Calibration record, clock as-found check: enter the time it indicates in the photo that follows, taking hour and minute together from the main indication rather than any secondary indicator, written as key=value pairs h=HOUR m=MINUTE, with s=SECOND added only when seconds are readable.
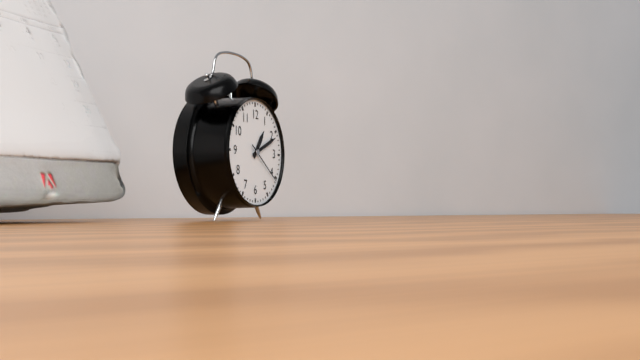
h=1 m=11
